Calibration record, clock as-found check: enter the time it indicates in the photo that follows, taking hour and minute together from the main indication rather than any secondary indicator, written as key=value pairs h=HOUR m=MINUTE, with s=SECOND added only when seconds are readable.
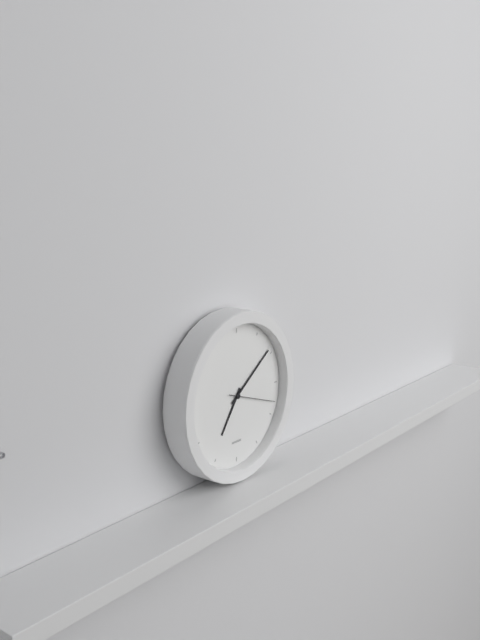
h=7 m=9
